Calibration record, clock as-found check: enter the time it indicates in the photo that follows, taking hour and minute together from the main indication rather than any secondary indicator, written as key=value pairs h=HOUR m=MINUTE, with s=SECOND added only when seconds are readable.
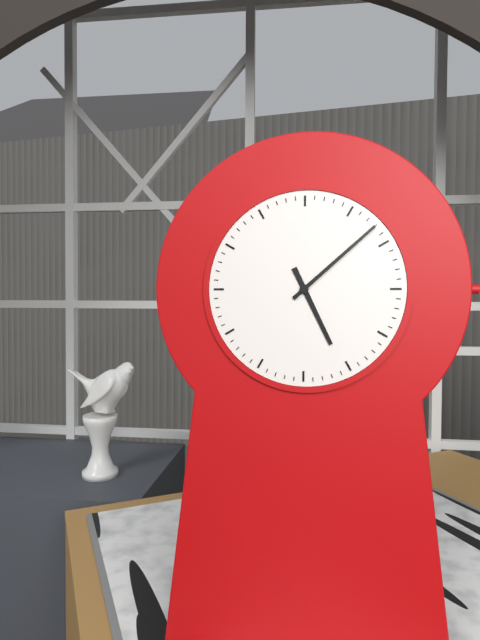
h=5 m=8
